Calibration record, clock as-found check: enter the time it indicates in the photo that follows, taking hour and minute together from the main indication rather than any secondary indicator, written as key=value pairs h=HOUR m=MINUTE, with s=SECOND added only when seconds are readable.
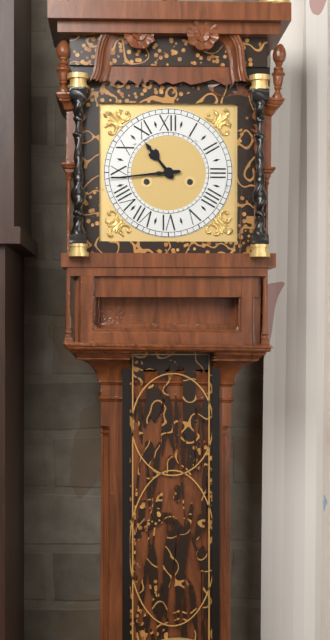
h=10 m=44
